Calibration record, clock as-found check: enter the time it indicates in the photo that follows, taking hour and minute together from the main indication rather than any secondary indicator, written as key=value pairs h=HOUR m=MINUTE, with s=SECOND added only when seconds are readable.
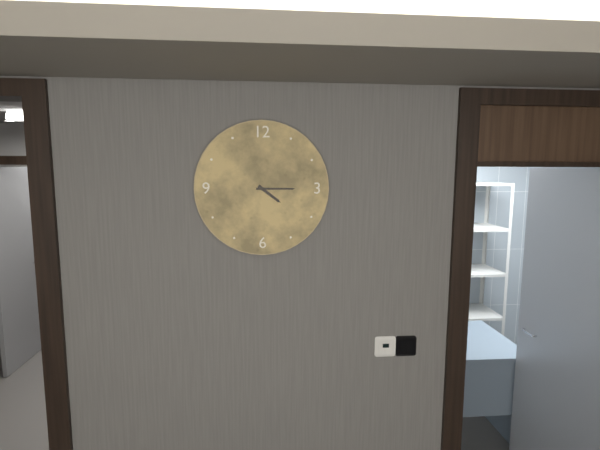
h=4 m=15
